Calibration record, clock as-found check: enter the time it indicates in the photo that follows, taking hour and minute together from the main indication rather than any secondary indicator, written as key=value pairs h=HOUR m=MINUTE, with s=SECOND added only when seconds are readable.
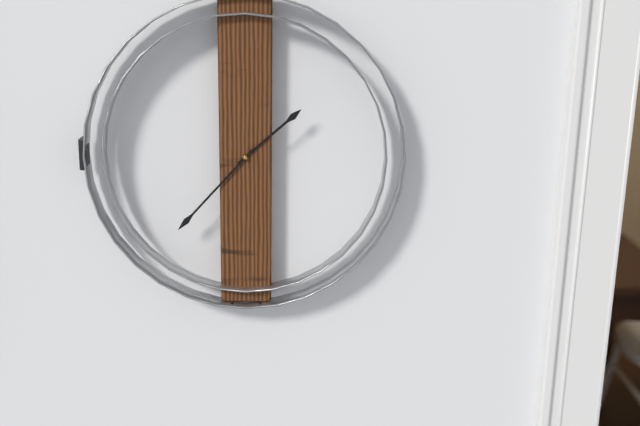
h=1 m=37
